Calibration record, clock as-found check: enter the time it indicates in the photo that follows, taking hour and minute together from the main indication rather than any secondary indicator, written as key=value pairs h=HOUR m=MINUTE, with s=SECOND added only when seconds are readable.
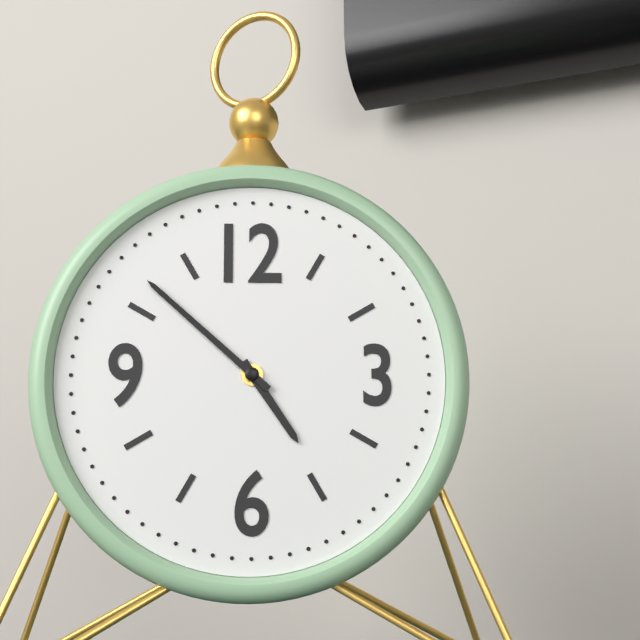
h=4 m=52
